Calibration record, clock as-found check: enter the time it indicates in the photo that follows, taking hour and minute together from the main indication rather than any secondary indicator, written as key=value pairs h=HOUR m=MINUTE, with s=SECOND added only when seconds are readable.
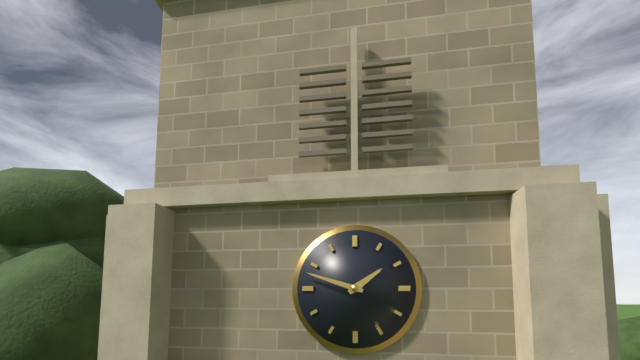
h=1 m=48
